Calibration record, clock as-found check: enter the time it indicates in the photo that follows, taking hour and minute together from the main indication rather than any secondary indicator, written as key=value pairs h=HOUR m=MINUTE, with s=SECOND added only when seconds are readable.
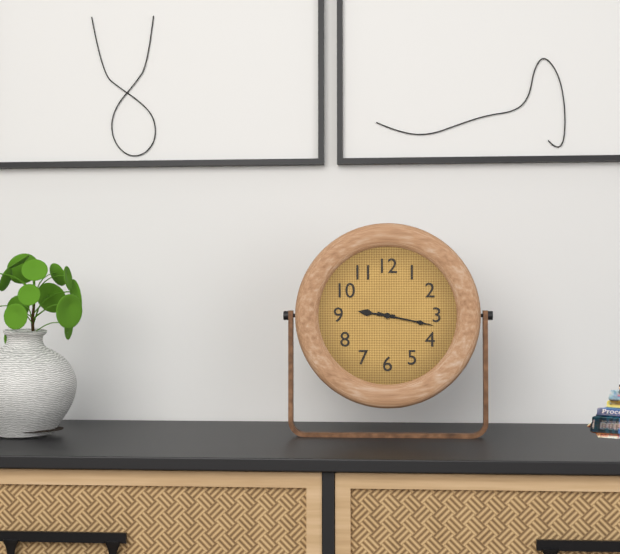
h=9 m=17
